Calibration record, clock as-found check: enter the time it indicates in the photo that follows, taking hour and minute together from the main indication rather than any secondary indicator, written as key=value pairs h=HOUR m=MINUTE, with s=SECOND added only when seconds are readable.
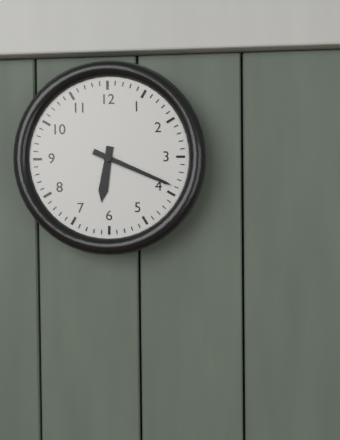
h=6 m=19
